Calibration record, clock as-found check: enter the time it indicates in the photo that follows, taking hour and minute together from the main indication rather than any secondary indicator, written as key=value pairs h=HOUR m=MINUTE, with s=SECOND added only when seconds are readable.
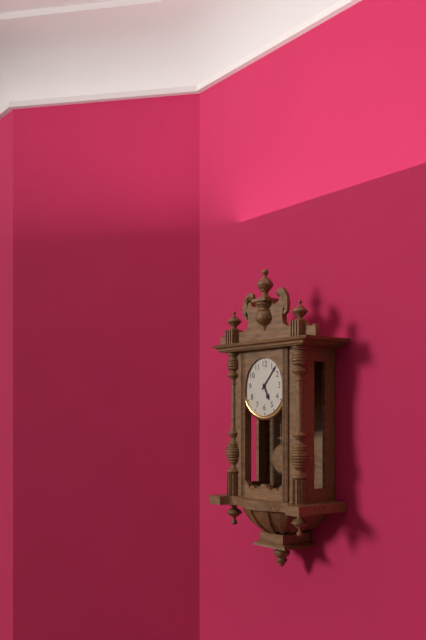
h=5 m=7
